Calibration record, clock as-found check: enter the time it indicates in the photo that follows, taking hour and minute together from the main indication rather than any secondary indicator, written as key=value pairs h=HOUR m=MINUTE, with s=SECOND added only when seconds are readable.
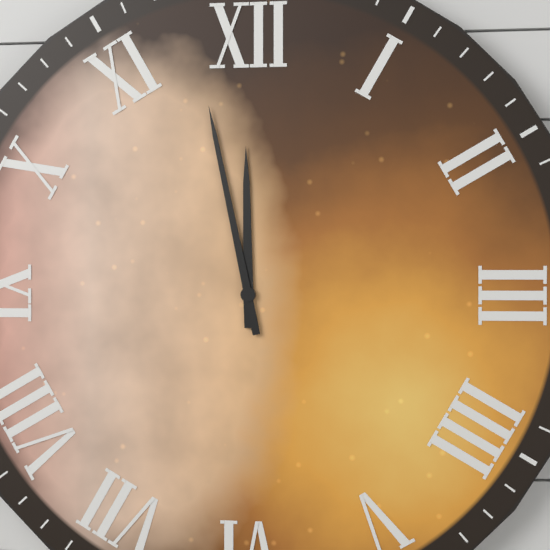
h=11 m=58
